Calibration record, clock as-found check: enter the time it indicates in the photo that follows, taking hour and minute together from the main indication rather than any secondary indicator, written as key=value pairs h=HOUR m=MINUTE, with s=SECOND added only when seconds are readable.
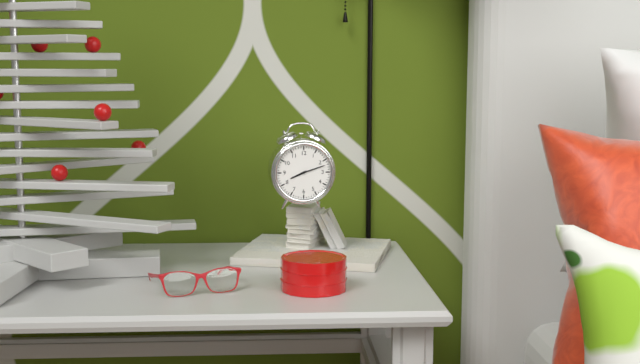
h=8 m=12
